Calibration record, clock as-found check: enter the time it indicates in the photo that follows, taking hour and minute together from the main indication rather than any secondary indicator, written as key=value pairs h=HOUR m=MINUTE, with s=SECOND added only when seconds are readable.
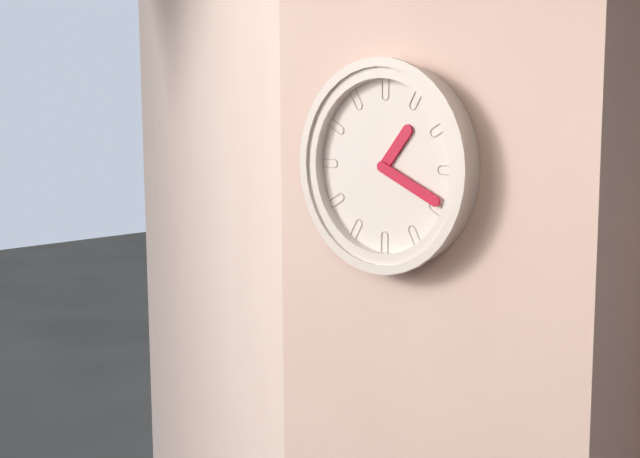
h=1 m=19
